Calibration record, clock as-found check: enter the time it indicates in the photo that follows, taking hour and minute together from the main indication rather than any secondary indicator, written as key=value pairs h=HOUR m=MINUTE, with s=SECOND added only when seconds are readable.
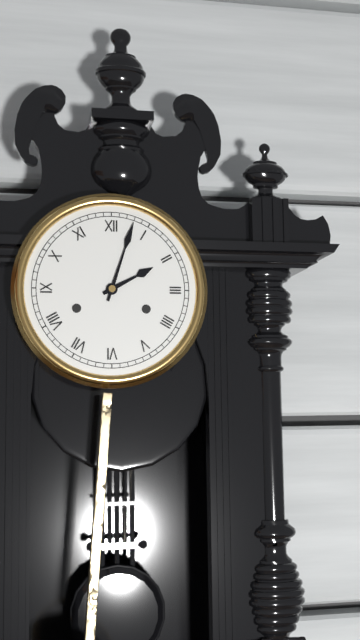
h=2 m=3
